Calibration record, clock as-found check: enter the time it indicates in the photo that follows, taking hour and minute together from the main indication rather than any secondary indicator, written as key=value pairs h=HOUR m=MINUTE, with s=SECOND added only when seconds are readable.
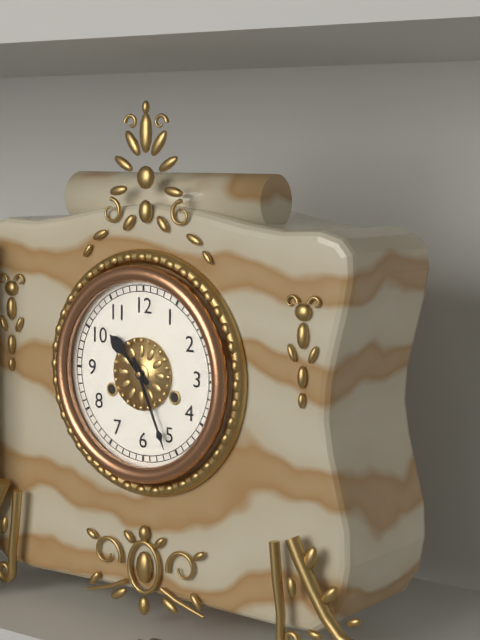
h=10 m=26
